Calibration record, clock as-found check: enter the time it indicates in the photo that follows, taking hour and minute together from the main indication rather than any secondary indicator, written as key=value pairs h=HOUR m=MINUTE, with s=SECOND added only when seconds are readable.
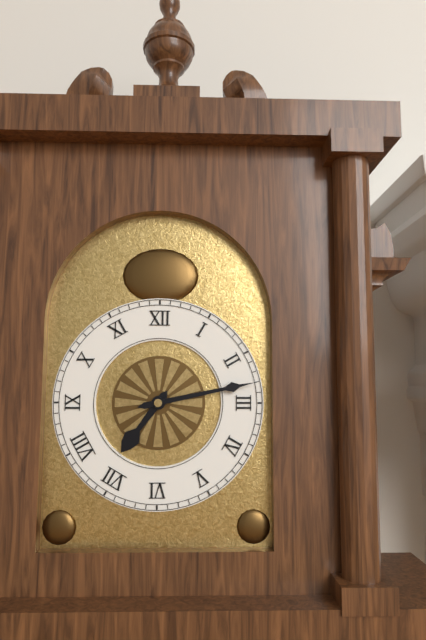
h=7 m=13
